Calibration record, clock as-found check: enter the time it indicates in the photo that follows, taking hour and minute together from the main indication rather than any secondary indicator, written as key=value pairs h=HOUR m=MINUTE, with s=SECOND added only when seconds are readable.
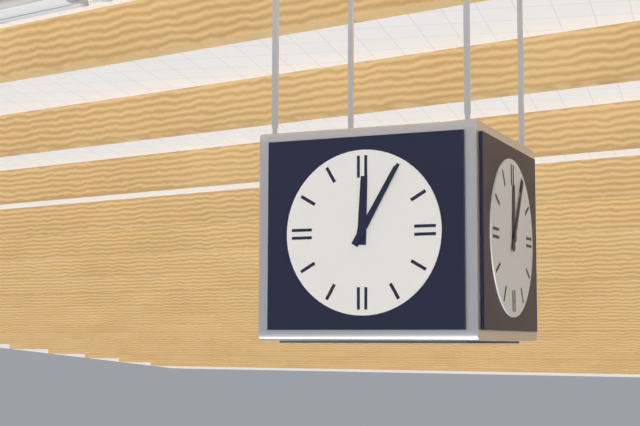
h=12 m=5
